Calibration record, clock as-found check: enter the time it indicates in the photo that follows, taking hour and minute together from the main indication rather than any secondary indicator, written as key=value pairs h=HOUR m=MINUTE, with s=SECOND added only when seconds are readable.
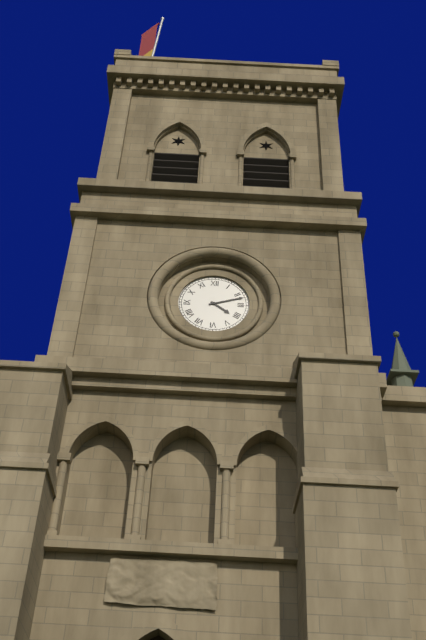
h=4 m=12
